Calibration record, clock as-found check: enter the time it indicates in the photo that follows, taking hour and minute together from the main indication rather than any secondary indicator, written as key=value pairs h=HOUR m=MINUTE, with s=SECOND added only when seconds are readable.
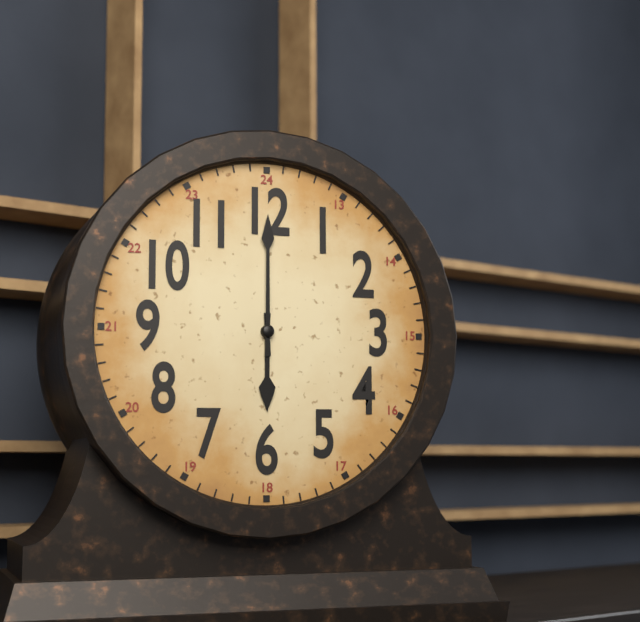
h=6 m=0
